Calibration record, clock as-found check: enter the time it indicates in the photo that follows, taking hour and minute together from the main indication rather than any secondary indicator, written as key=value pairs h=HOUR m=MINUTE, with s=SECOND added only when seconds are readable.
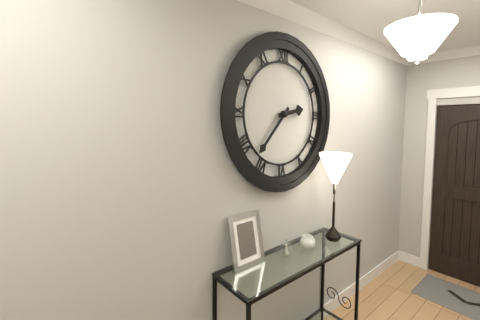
h=2 m=37
